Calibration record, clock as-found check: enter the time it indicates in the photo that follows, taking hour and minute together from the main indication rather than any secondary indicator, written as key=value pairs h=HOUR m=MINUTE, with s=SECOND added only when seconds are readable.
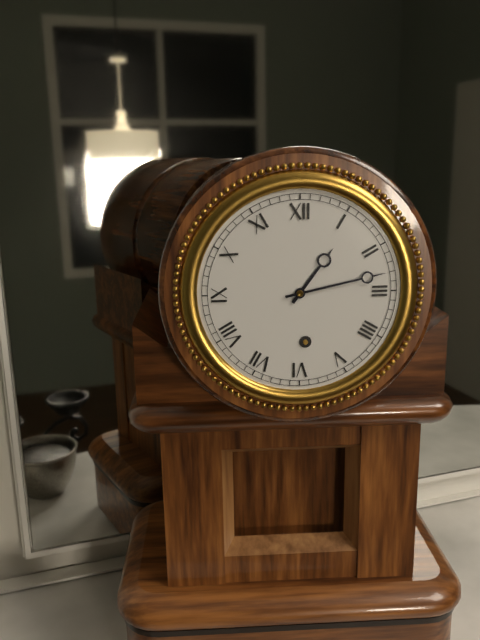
h=1 m=13
